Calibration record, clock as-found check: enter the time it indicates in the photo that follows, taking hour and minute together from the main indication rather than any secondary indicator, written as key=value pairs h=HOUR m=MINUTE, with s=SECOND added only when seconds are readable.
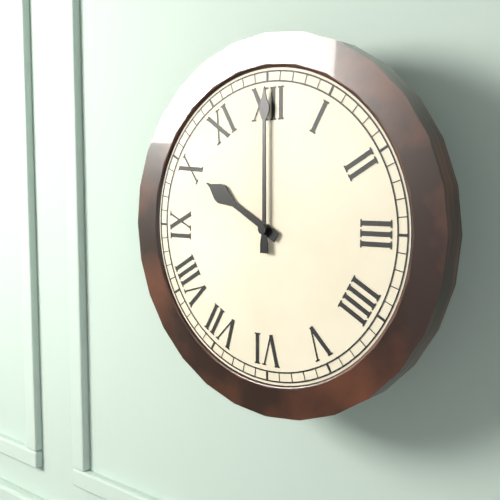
h=10 m=0
